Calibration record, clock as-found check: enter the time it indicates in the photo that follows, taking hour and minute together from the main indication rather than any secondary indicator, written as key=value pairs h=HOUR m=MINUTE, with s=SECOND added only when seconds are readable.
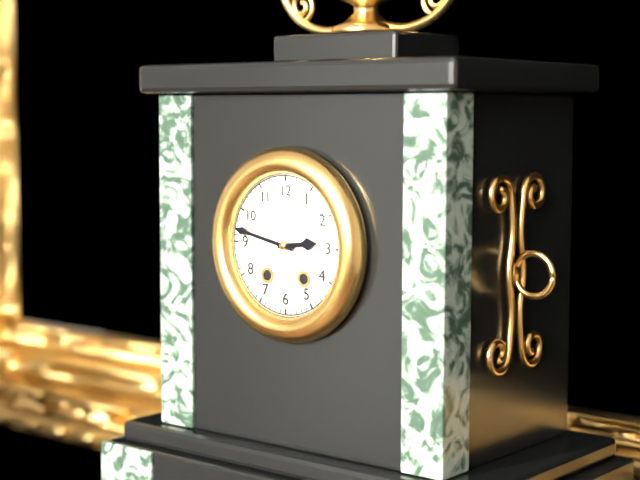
h=2 m=47
